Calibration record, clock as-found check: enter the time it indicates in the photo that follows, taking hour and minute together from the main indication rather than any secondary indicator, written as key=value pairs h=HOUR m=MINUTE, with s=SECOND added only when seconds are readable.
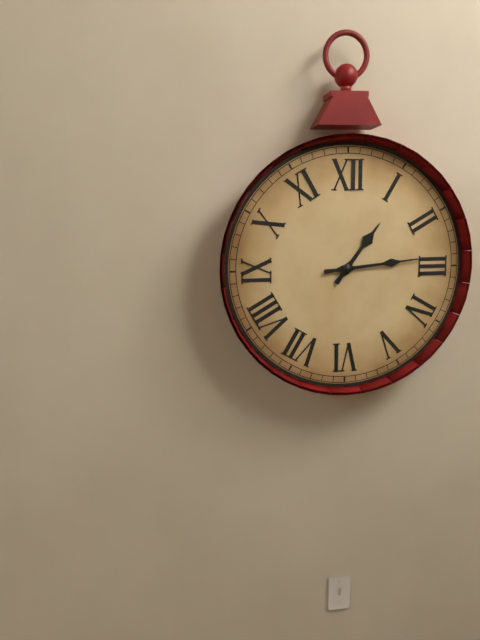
h=1 m=14
